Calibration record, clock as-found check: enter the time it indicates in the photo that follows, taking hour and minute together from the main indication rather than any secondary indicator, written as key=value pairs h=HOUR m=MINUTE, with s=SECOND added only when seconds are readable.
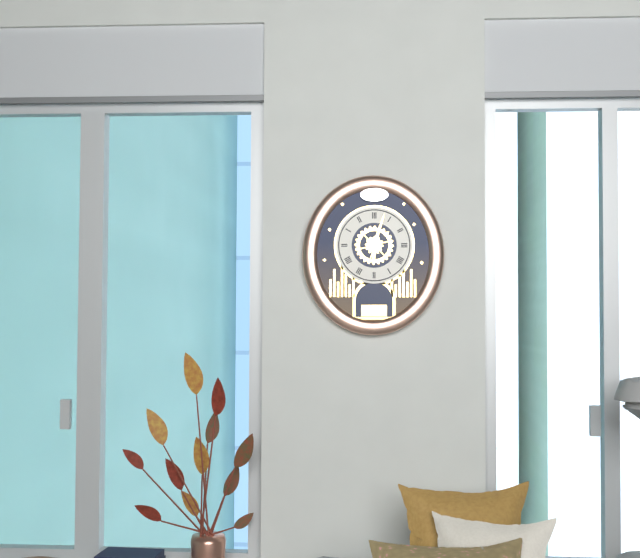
h=6 m=3
